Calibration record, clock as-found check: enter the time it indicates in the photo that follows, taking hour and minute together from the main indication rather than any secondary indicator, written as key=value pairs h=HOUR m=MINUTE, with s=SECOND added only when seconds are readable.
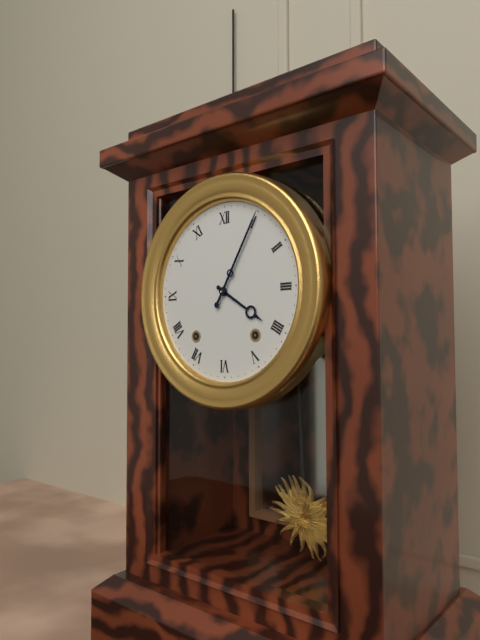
h=4 m=5
